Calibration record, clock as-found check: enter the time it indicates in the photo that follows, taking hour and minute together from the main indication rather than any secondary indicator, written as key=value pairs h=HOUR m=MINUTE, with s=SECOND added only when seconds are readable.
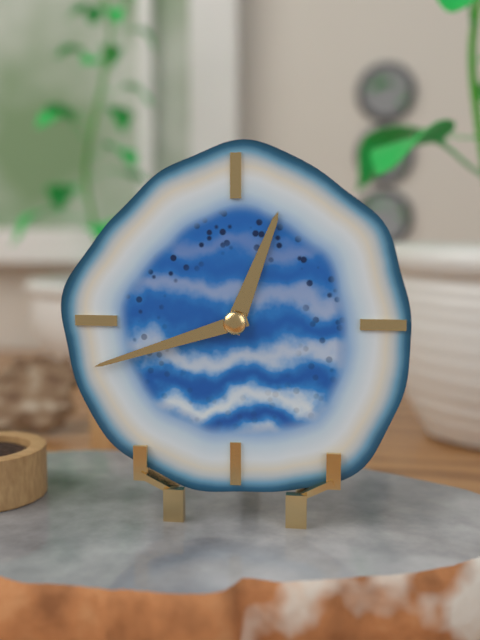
h=12 m=42
